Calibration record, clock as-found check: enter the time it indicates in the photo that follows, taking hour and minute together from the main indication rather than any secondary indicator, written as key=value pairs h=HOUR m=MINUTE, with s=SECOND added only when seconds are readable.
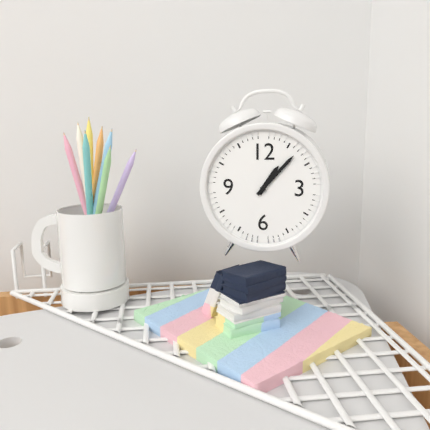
h=1 m=7
